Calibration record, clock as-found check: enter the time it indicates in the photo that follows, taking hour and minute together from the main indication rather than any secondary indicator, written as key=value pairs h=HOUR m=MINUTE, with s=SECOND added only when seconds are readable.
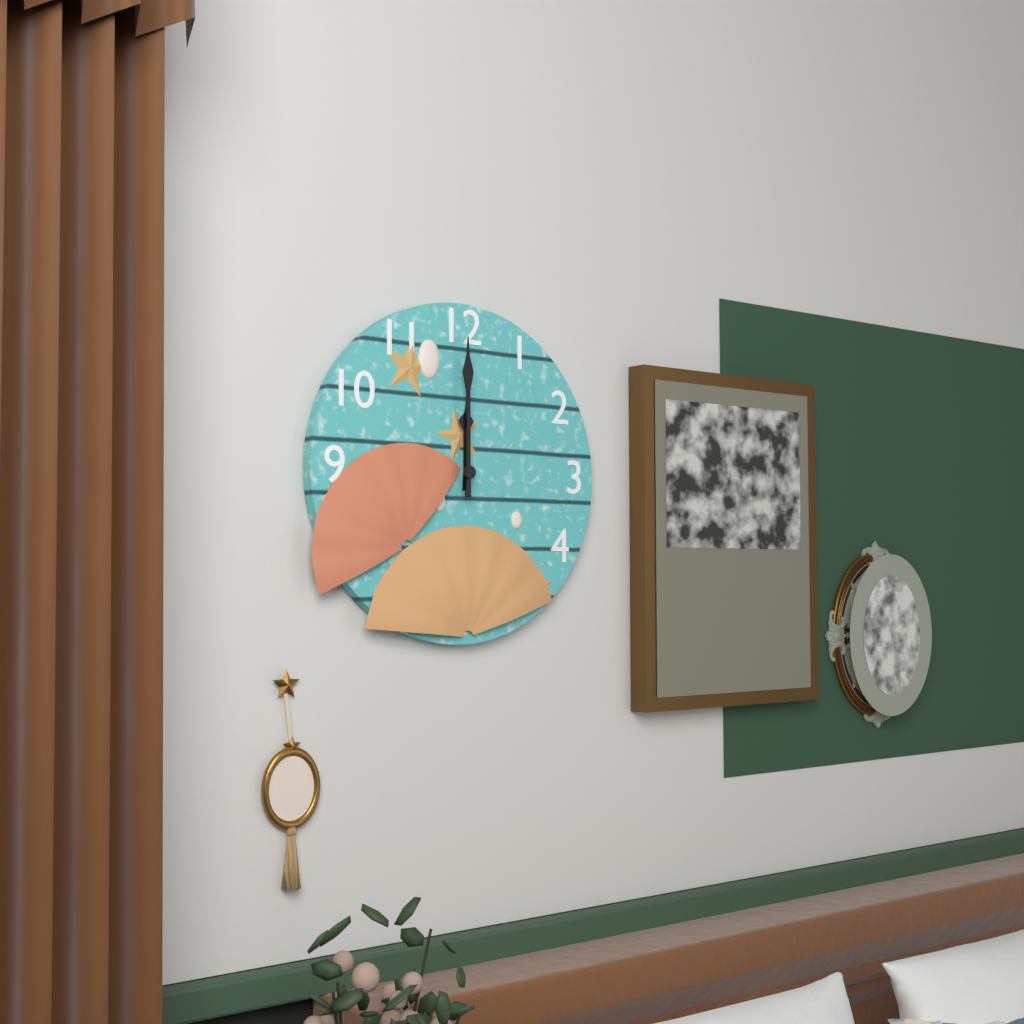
h=12 m=0
